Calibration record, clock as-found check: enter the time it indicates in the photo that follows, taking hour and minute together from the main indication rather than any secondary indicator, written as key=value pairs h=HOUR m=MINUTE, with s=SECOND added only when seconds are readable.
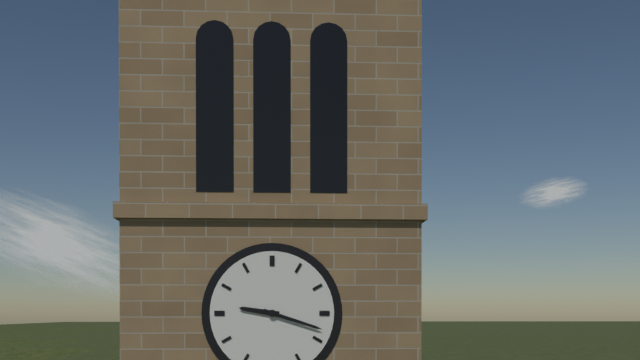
h=9 m=18
